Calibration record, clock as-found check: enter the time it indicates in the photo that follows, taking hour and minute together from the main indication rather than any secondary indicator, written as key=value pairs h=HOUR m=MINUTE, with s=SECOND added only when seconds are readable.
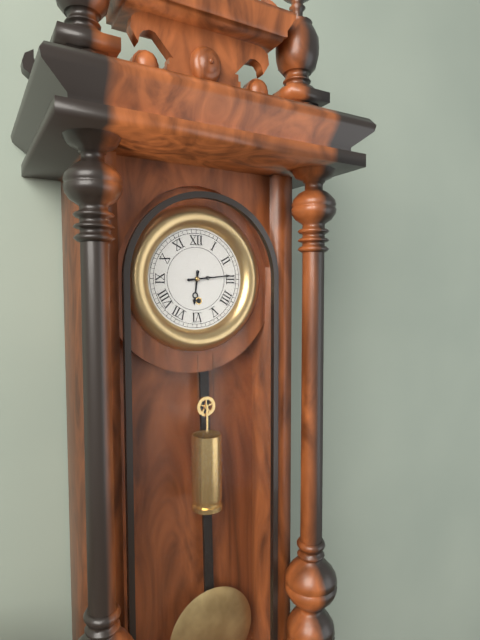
h=6 m=14
